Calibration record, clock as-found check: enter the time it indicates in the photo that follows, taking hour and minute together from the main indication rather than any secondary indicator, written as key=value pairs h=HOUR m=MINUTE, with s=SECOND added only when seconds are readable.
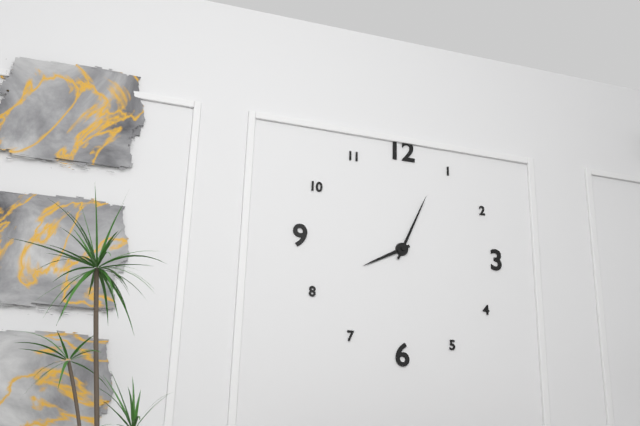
h=8 m=4
